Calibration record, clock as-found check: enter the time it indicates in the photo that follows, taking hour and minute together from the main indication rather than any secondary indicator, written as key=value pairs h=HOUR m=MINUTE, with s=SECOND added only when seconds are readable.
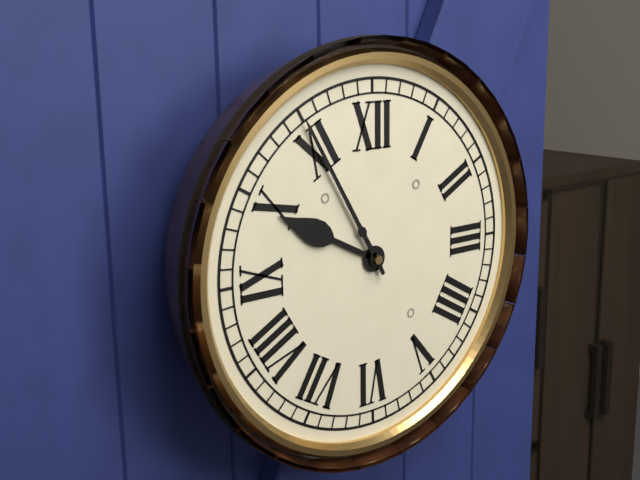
h=9 m=55
